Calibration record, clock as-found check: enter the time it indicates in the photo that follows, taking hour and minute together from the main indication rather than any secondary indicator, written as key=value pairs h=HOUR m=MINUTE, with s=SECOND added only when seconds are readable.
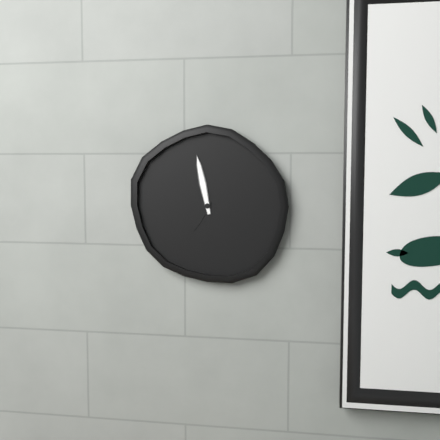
h=6 m=58
